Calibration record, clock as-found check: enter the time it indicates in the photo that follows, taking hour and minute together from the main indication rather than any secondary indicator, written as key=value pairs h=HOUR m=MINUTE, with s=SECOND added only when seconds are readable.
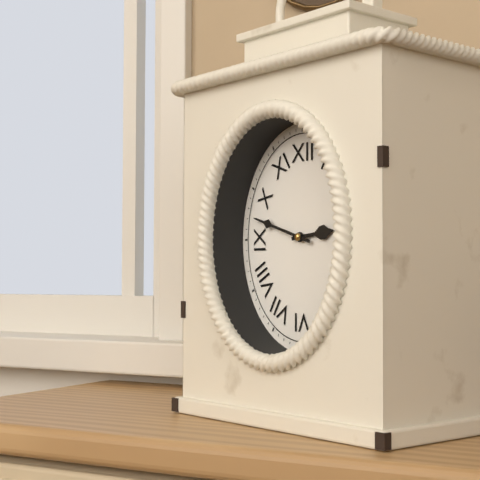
h=2 m=48
